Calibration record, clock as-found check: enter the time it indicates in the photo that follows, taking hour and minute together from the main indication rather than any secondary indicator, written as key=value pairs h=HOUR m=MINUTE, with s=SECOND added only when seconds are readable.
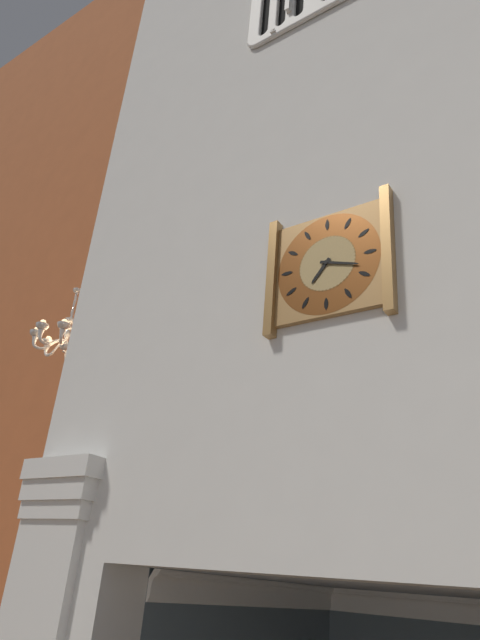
h=7 m=18
